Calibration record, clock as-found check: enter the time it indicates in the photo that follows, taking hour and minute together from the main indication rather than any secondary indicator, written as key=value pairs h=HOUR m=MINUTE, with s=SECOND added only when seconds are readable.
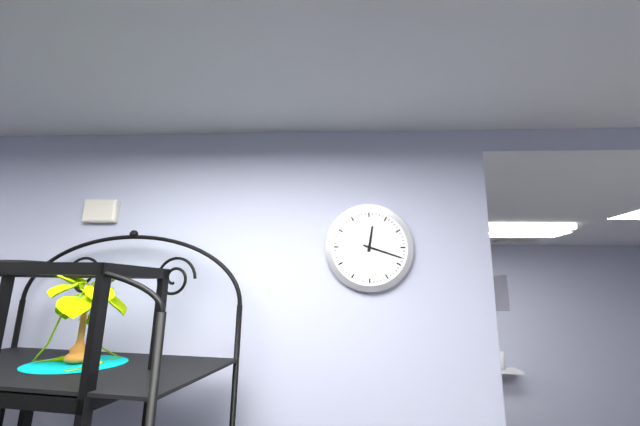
h=12 m=18
